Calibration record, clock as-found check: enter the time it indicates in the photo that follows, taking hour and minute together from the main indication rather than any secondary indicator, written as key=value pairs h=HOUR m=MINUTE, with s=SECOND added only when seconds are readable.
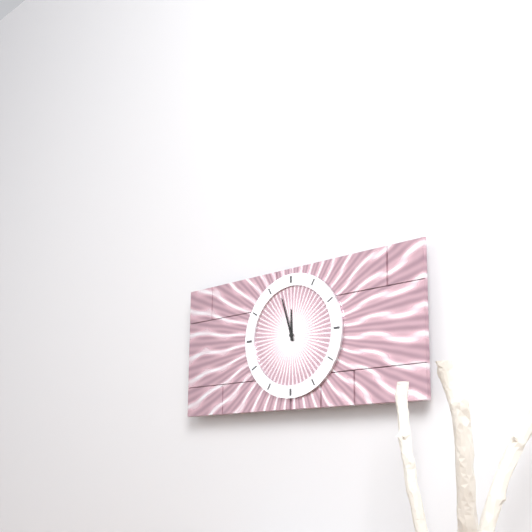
h=11 m=57
